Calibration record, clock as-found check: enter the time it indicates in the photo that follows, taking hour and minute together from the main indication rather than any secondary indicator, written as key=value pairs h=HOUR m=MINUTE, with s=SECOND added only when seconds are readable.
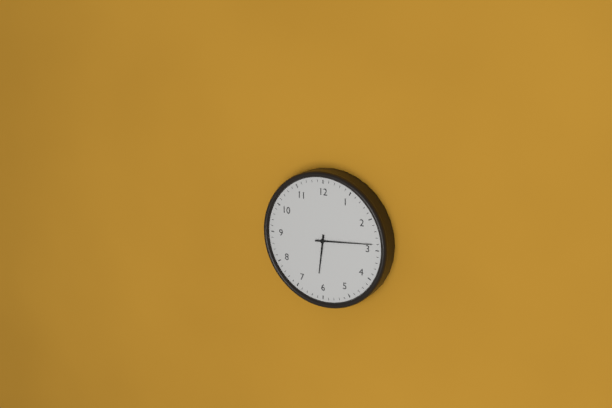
h=6 m=14
